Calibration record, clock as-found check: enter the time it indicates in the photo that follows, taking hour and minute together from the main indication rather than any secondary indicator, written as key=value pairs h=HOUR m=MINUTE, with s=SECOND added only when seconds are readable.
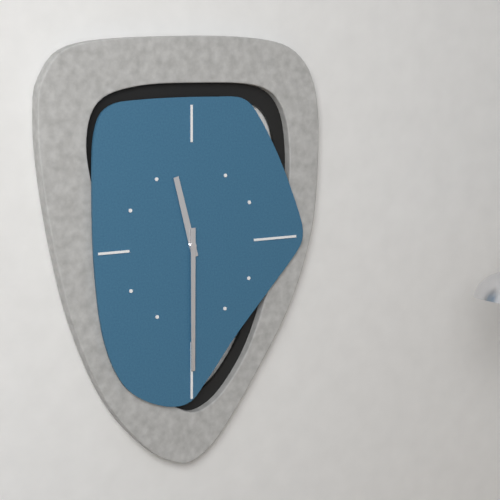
h=11 m=30
